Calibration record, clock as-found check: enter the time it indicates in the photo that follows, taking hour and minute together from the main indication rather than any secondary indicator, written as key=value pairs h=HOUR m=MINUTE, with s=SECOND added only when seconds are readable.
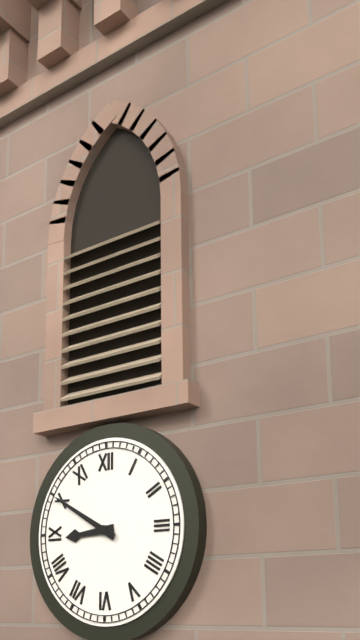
h=8 m=50
